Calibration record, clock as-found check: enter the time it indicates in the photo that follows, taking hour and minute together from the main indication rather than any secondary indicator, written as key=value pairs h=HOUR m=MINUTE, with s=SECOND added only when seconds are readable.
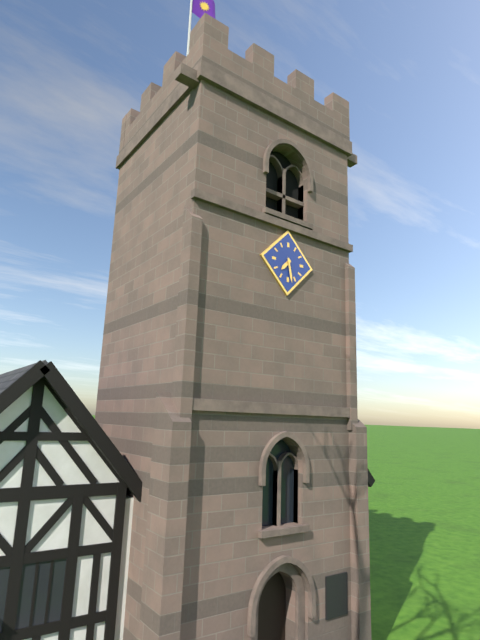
h=7 m=28
